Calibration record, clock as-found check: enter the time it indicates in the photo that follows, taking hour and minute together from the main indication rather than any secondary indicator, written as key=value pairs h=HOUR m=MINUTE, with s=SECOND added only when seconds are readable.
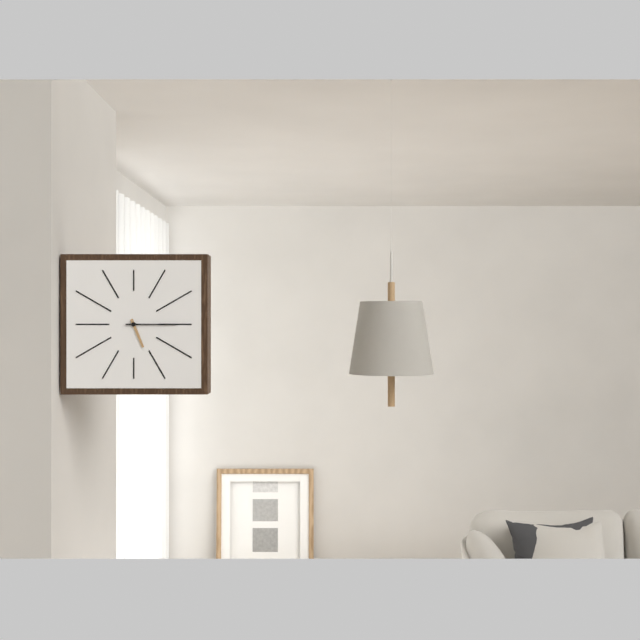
h=5 m=15
